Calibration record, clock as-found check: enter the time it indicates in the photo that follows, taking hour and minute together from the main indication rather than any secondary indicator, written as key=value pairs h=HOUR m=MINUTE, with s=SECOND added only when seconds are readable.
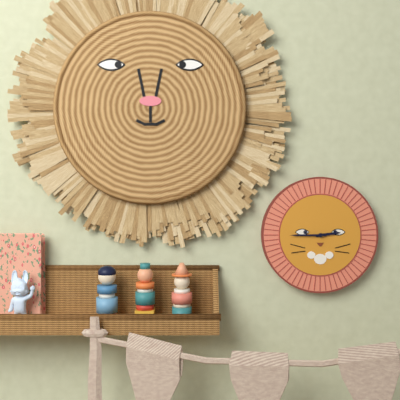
h=2 m=45
